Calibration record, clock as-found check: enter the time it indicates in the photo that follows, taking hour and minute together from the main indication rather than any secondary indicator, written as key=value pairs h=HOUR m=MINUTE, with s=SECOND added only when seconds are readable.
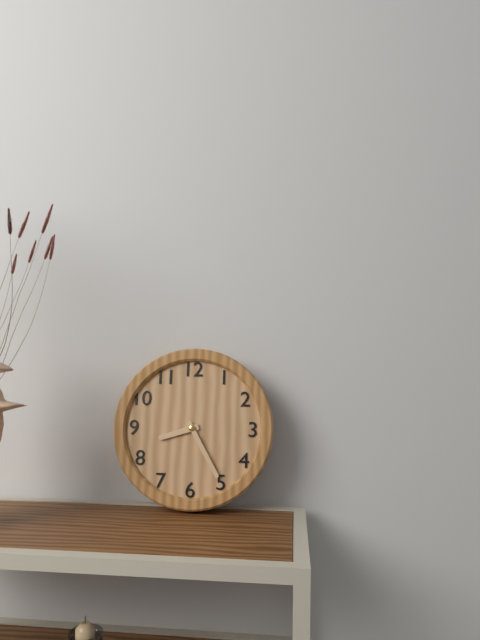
h=8 m=25
